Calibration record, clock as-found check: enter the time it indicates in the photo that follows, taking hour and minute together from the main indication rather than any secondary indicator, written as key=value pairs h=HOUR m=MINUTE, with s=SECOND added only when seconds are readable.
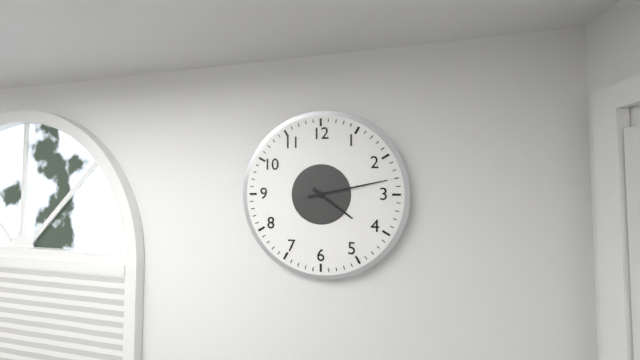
h=4 m=13
